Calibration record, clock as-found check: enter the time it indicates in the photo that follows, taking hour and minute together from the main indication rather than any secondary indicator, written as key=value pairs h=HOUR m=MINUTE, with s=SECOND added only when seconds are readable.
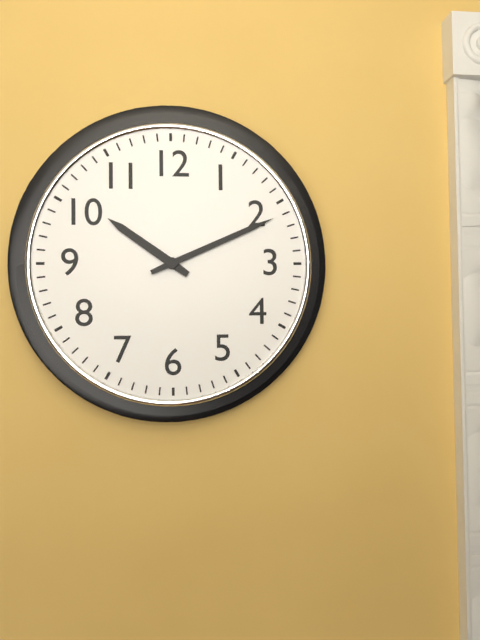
h=10 m=11
